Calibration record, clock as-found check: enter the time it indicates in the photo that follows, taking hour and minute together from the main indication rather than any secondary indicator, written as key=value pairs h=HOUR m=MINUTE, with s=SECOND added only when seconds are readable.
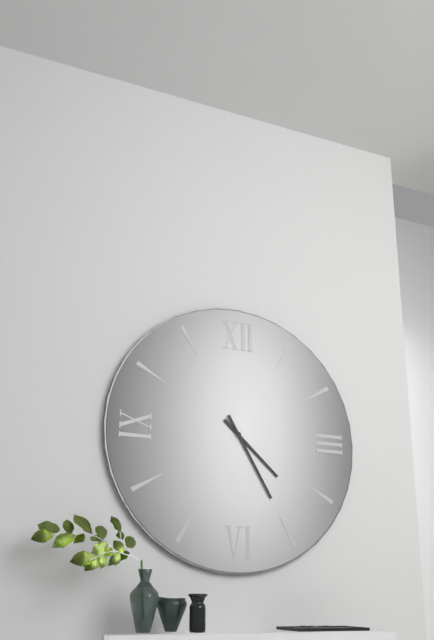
h=4 m=25
